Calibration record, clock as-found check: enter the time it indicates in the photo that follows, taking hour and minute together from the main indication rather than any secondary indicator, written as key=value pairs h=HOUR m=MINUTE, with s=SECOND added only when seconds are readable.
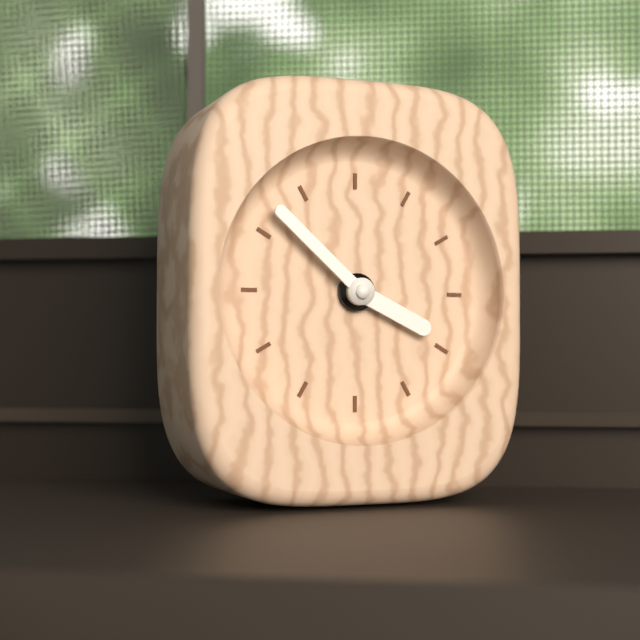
h=3 m=52
